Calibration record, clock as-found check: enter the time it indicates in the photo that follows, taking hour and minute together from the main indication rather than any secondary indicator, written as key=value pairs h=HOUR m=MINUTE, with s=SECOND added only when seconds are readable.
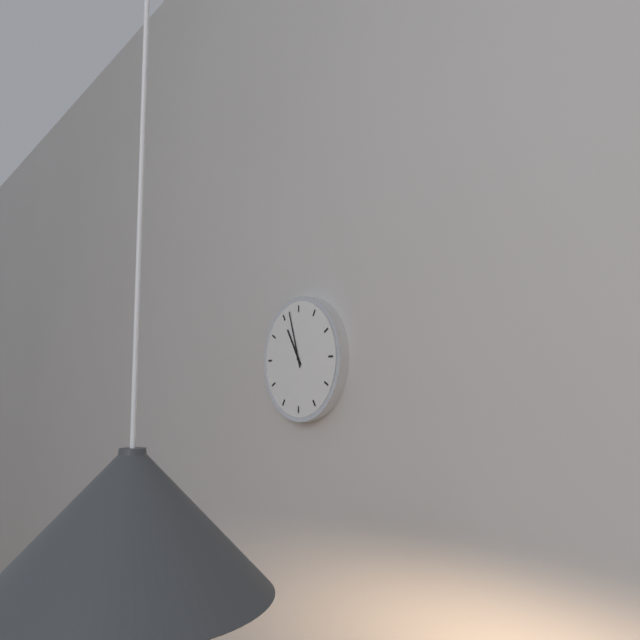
h=10 m=57
